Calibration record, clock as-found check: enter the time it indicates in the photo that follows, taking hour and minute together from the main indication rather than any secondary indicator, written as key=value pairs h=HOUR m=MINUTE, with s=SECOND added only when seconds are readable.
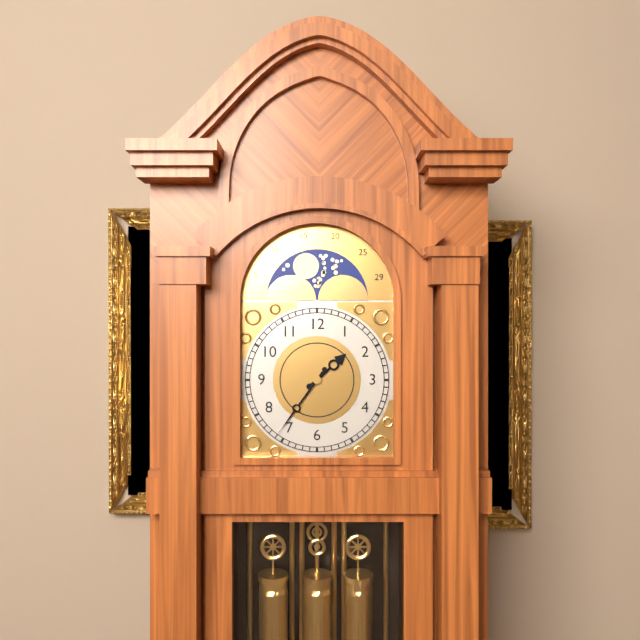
h=1 m=36
